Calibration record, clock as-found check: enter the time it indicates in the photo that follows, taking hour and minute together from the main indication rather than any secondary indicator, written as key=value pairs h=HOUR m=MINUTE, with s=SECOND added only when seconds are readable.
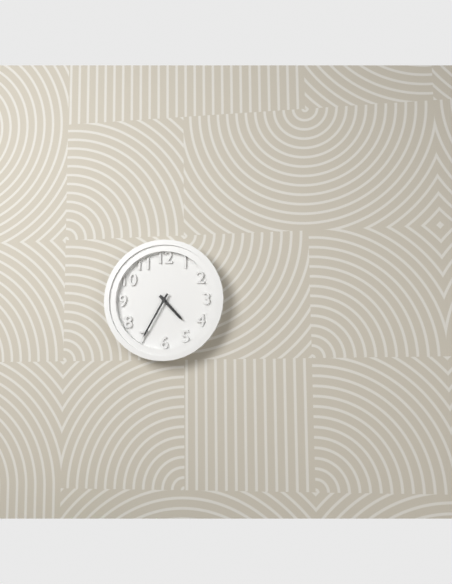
h=4 m=35
